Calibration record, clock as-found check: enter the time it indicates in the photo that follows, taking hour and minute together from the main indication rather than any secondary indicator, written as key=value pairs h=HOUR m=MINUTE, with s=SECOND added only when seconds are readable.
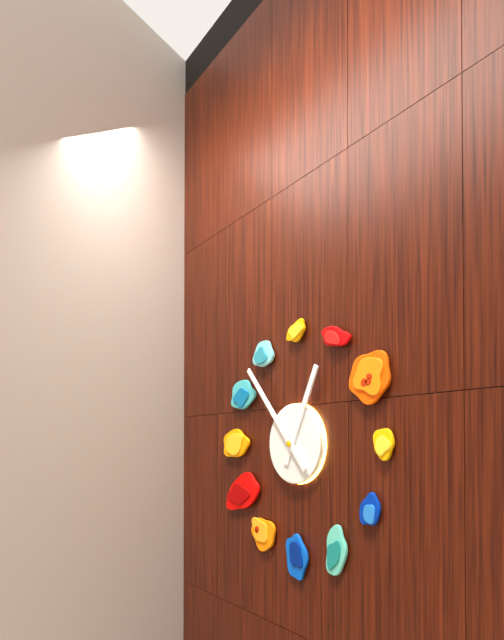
h=12 m=53
